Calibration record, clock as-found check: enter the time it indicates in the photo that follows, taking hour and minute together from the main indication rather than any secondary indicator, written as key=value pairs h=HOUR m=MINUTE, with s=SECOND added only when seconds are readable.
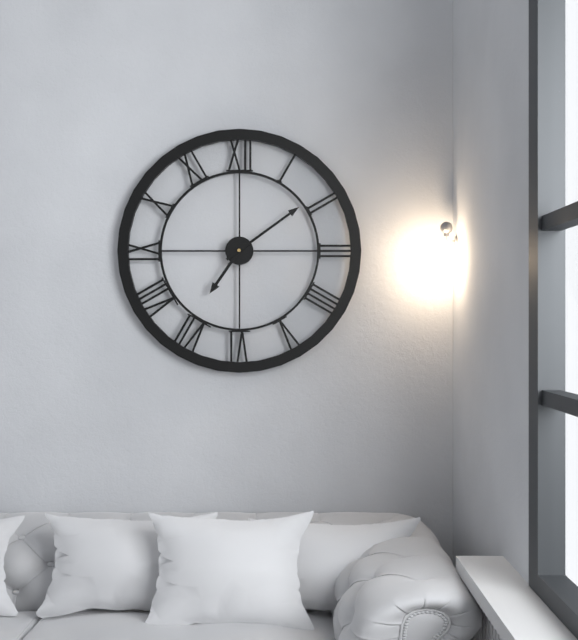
h=7 m=9
